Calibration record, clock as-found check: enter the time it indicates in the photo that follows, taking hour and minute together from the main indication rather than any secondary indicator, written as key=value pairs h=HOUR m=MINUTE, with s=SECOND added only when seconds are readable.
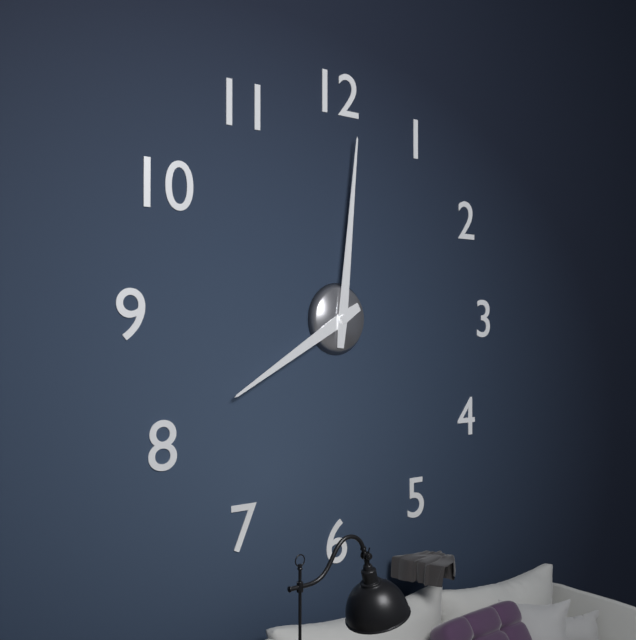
h=8 m=1
